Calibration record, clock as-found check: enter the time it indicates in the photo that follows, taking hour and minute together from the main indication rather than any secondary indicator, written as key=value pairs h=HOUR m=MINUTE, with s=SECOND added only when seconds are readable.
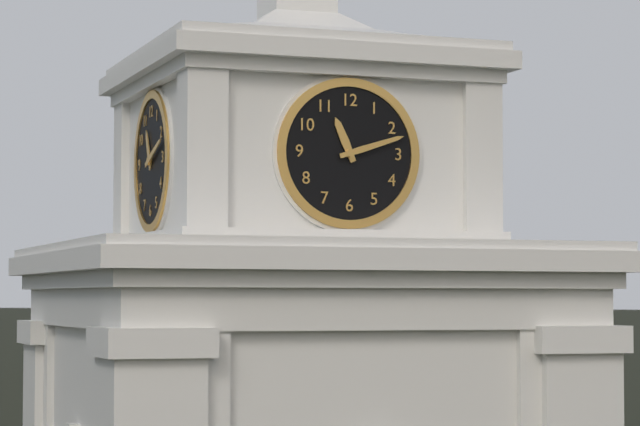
h=11 m=12
